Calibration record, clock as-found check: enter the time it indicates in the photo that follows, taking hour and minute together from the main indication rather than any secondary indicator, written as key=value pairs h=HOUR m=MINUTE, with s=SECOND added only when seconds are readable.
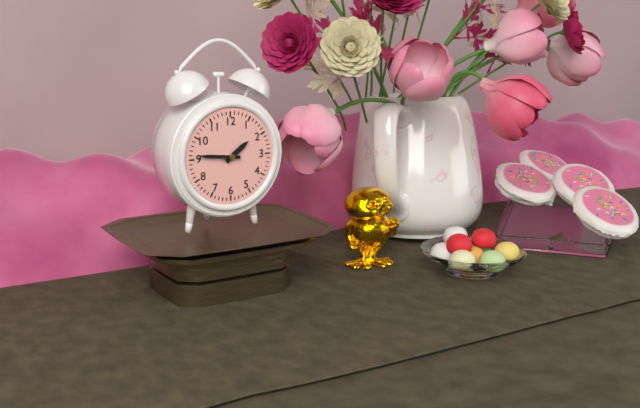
h=1 m=46
